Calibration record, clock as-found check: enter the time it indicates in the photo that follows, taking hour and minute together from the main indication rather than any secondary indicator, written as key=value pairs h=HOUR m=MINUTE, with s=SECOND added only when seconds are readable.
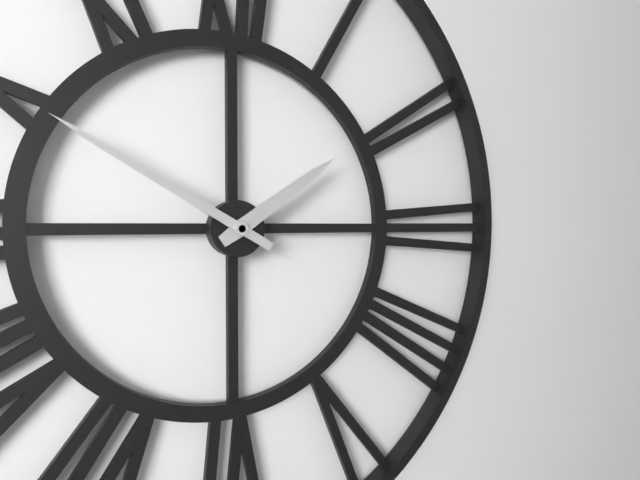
h=1 m=50
